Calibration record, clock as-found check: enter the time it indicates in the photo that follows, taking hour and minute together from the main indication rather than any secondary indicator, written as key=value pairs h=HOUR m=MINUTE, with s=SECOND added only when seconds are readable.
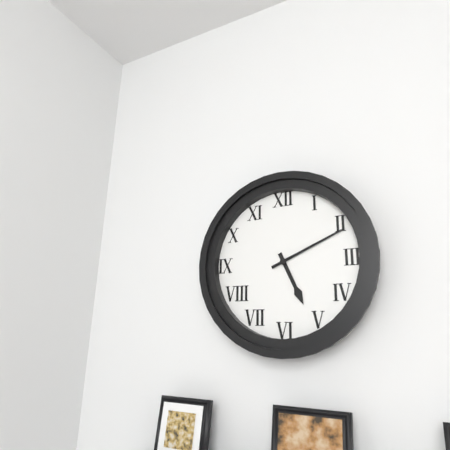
h=5 m=11
